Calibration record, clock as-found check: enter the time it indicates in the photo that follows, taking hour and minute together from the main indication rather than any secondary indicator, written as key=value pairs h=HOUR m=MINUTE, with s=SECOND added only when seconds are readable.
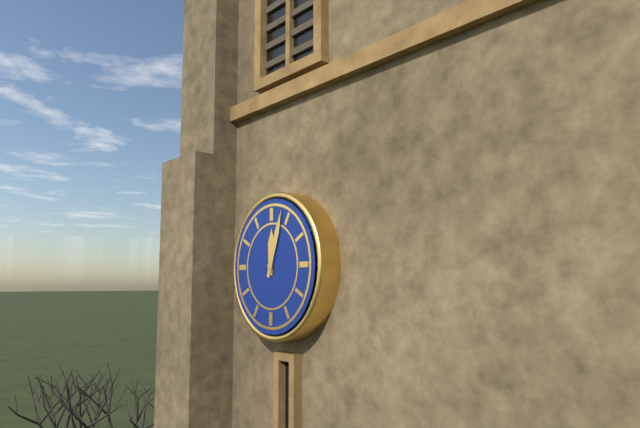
h=12 m=3
